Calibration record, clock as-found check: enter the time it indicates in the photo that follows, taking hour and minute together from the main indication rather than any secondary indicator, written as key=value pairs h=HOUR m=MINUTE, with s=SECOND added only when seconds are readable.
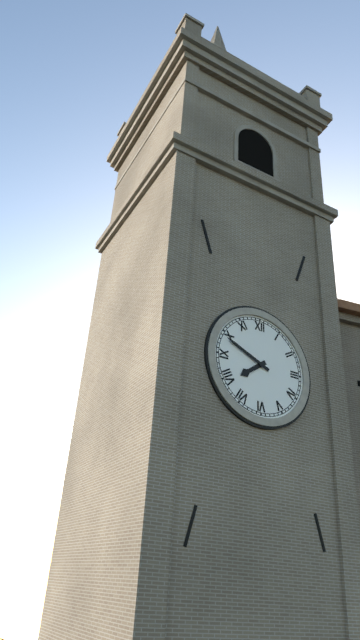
h=7 m=49
